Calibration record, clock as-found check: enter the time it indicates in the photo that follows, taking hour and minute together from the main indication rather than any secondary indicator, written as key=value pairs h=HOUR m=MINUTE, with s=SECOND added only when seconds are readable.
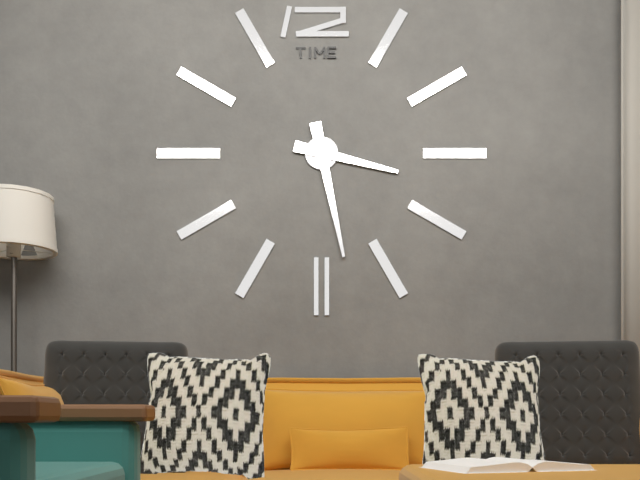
h=3 m=28
